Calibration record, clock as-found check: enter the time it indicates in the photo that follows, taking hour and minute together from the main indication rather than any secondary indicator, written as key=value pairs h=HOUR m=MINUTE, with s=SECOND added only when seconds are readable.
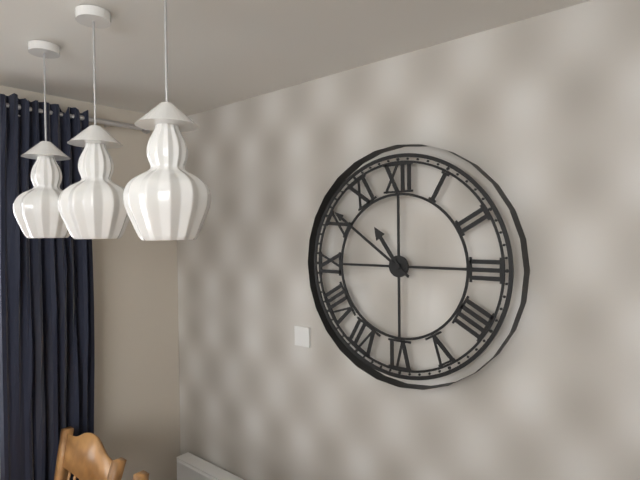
h=10 m=51
